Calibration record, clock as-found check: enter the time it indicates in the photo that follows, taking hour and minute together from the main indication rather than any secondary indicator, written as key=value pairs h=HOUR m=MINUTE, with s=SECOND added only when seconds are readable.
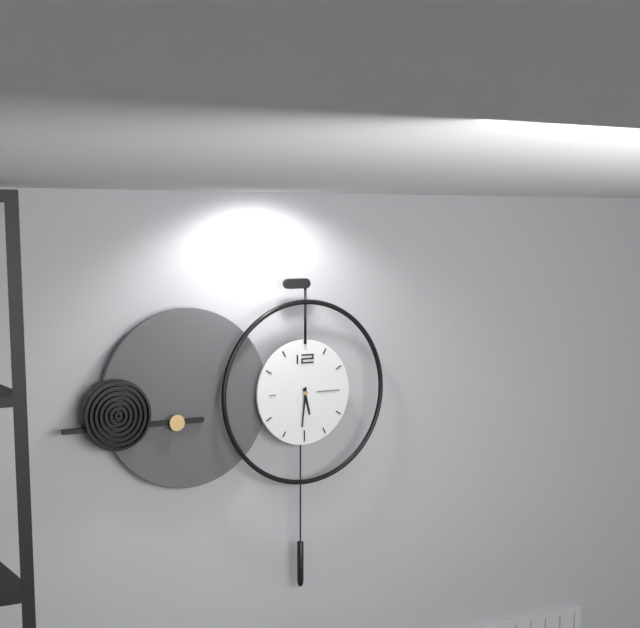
h=5 m=31
